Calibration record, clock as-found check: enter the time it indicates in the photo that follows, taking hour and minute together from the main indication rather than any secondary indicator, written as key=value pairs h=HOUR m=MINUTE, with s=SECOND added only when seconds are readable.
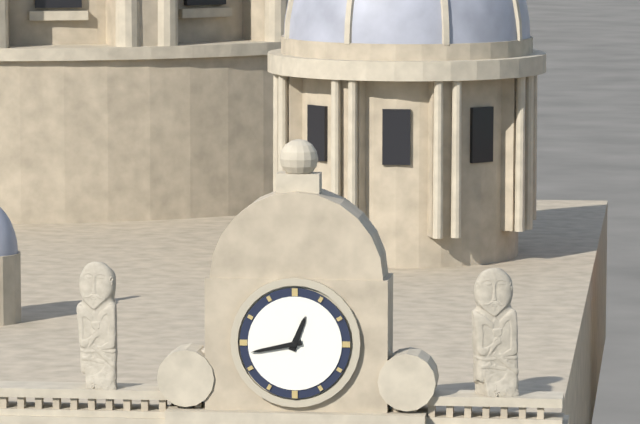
h=12 m=43
